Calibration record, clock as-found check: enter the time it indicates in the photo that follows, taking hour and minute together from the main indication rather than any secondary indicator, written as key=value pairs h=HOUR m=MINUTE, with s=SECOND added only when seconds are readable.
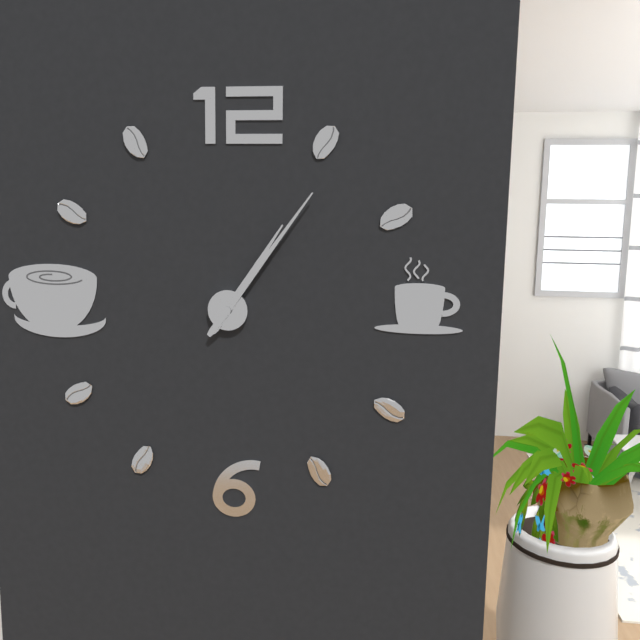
h=1 m=6
